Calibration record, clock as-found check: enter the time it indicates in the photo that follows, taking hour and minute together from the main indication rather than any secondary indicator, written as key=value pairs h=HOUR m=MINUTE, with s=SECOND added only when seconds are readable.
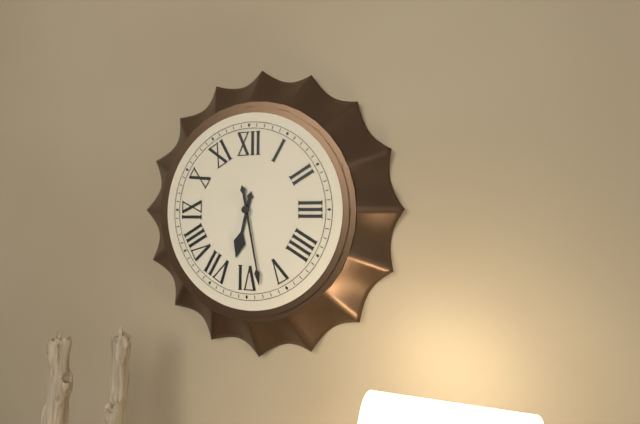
h=6 m=28
